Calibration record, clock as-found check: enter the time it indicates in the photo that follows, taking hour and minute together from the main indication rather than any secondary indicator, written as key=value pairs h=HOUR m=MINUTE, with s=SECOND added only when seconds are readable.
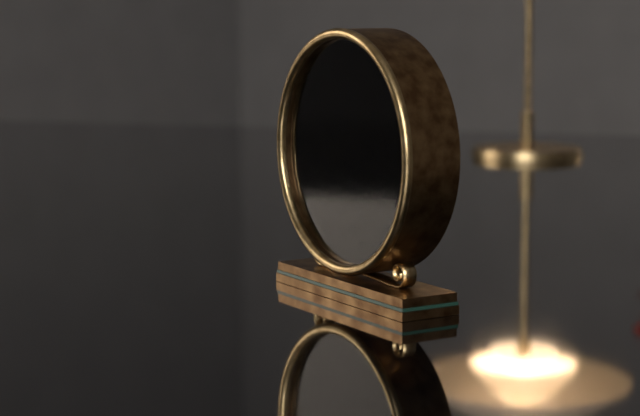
h=3 m=34
